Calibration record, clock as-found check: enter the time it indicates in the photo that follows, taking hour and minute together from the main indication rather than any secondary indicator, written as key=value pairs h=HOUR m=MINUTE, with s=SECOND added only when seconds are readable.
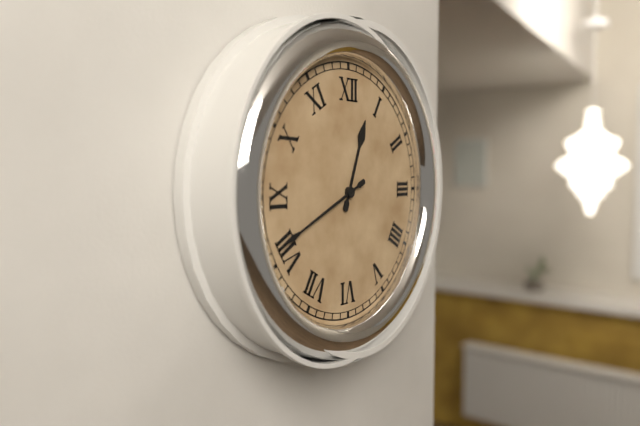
h=12 m=41
